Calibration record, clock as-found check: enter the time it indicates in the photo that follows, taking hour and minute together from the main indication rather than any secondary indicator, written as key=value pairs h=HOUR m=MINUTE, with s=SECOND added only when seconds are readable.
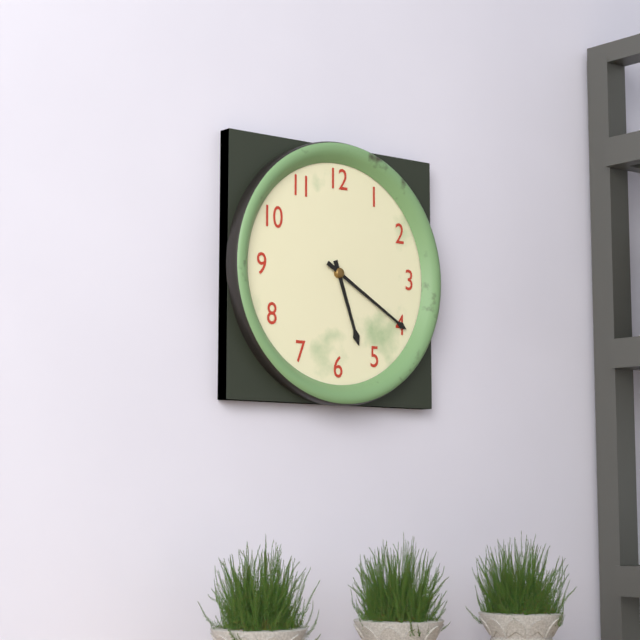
h=5 m=20
